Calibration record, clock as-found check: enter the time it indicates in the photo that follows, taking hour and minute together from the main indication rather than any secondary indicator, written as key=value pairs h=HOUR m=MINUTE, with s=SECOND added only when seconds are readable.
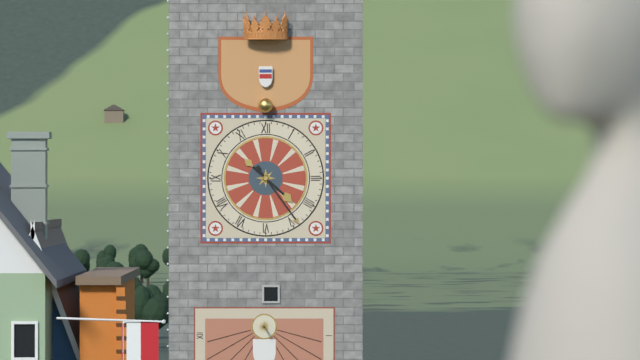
h=4 m=24
